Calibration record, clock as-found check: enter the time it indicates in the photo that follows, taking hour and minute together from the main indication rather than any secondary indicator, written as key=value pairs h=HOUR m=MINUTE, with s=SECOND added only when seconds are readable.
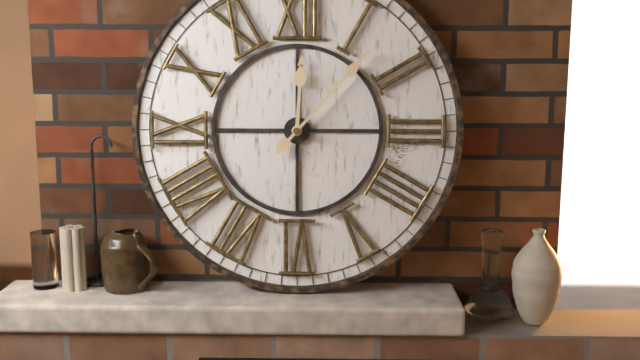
h=12 m=7
